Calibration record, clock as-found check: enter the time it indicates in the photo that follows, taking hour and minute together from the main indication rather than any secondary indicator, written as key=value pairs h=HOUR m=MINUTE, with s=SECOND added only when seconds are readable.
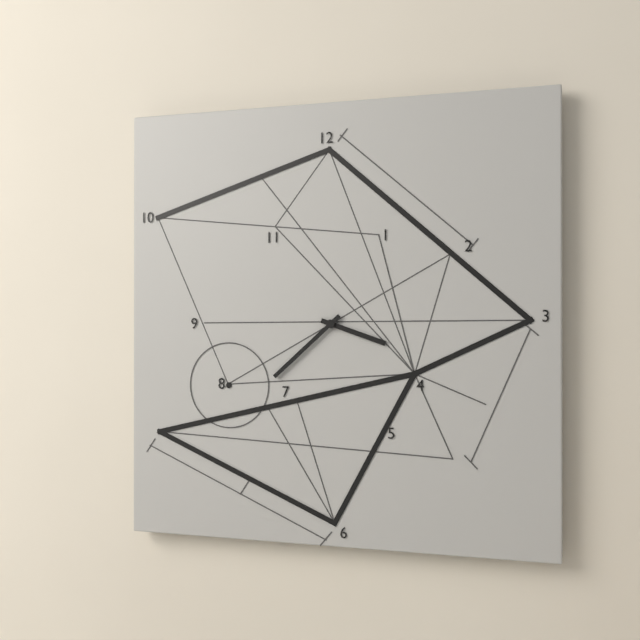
h=3 m=38
